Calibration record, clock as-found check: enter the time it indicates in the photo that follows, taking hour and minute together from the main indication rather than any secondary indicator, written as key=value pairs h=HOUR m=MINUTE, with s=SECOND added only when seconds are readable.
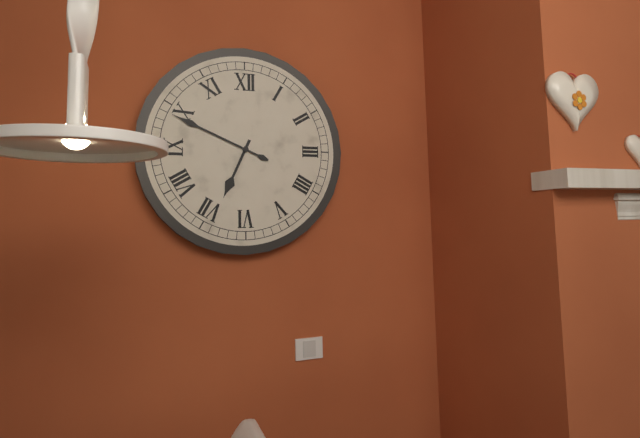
h=6 m=49
